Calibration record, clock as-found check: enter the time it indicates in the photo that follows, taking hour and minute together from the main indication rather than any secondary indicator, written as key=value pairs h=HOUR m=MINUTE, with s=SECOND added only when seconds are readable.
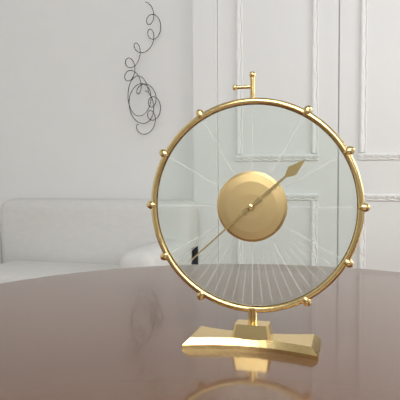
h=1 m=38
